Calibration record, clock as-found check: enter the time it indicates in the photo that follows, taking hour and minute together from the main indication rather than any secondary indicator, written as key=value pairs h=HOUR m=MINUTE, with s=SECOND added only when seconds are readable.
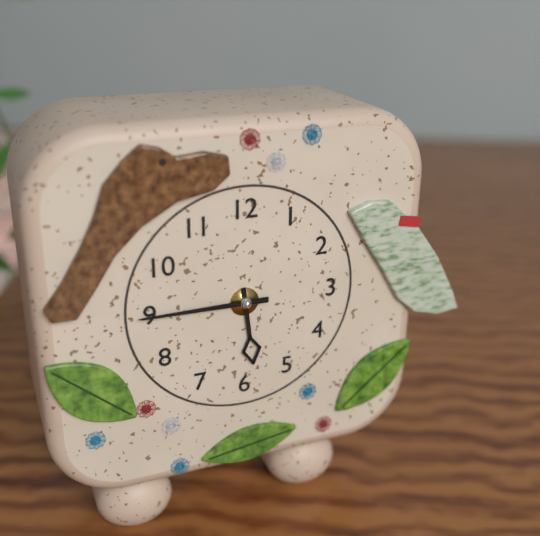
h=5 m=45
